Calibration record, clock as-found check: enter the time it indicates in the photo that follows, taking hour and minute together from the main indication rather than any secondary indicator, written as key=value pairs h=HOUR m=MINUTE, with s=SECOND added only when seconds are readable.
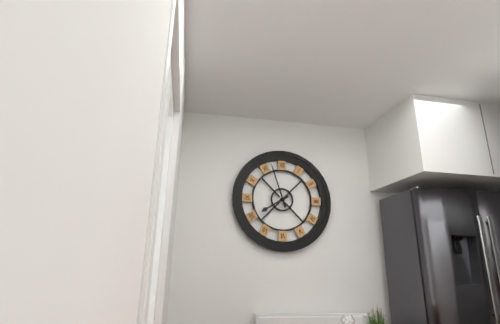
h=7 m=57
